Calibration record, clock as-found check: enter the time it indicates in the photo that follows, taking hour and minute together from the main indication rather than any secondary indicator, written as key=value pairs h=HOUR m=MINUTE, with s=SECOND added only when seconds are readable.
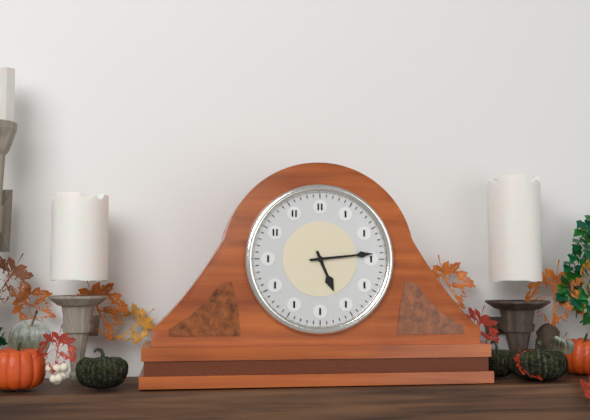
h=5 m=14
